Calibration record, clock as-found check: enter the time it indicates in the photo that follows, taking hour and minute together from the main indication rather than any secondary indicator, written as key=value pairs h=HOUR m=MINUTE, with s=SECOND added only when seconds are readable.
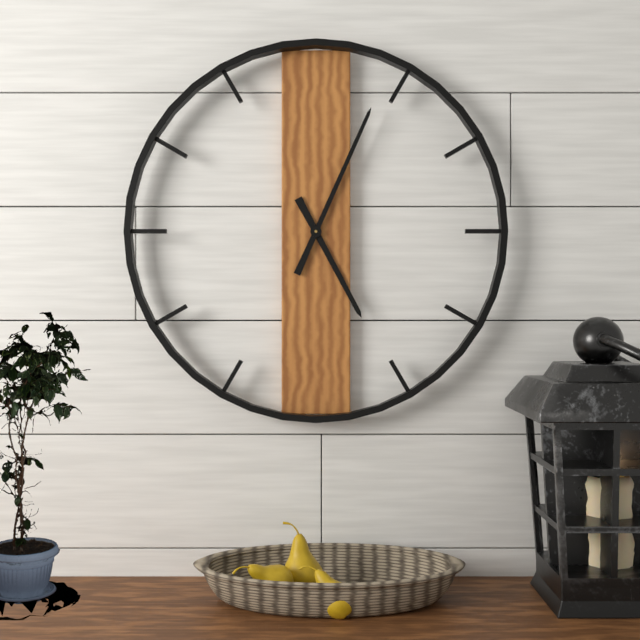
h=5 m=4
